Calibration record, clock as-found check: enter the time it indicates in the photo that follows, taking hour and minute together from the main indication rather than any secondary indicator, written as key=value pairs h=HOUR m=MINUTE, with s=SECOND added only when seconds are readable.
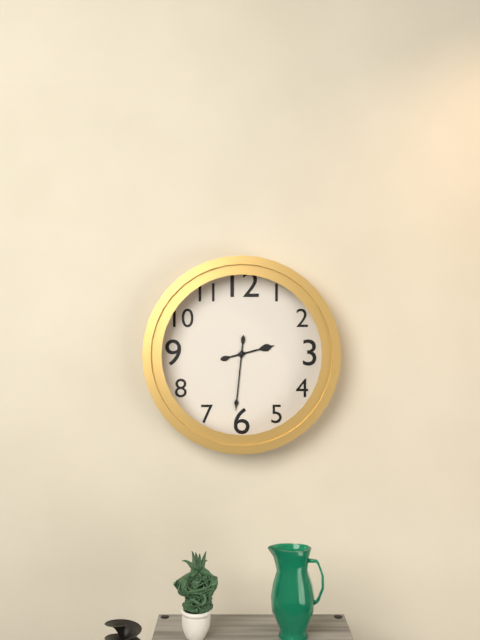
h=2 m=31
